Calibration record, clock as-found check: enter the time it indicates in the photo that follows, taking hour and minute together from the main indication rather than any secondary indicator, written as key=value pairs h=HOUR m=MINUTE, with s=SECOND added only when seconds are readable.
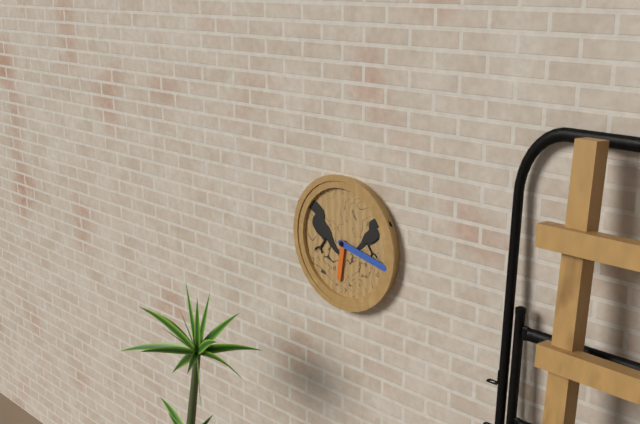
h=6 m=17
